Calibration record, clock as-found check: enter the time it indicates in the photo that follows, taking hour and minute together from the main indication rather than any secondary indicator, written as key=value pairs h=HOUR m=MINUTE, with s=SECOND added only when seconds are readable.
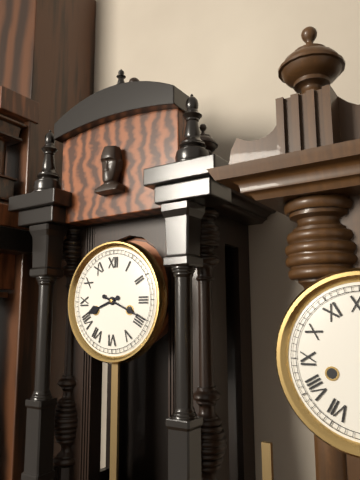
h=8 m=19
